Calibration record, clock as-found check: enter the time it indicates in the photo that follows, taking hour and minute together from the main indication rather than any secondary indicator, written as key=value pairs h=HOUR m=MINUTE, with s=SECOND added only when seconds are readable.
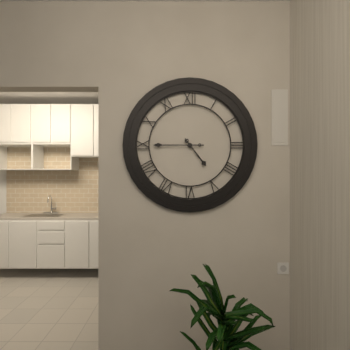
h=4 m=45
